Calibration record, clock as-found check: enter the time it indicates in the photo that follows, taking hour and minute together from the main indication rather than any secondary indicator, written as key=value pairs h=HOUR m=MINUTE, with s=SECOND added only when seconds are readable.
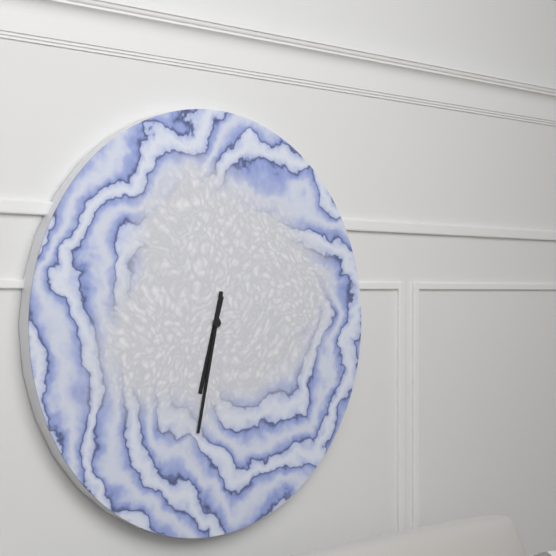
h=6 m=32
